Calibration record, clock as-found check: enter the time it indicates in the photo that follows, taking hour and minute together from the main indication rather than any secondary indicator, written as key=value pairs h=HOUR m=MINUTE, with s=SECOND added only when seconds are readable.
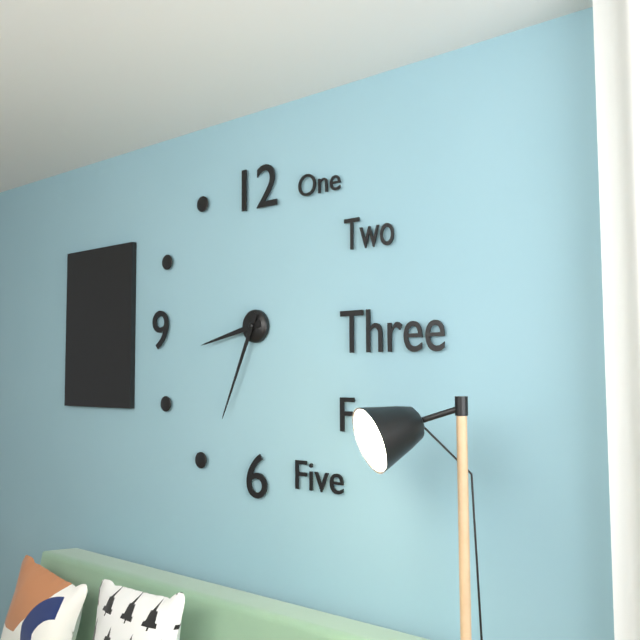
h=8 m=34
